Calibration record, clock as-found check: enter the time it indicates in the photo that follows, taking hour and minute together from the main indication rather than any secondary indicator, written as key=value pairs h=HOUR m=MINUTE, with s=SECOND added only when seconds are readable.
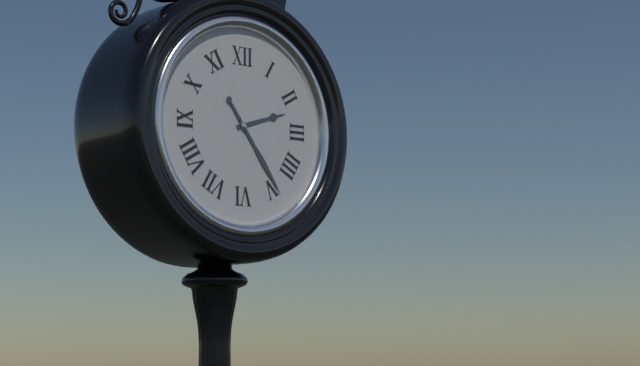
h=2 m=24
